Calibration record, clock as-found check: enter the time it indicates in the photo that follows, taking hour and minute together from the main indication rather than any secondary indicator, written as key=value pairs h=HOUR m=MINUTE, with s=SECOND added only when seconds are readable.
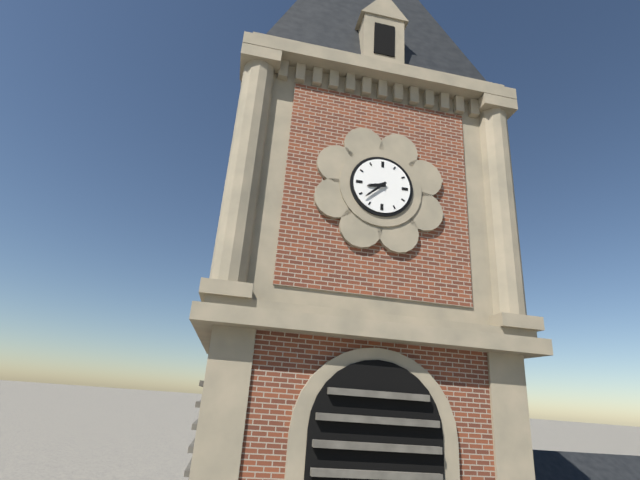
h=8 m=38
